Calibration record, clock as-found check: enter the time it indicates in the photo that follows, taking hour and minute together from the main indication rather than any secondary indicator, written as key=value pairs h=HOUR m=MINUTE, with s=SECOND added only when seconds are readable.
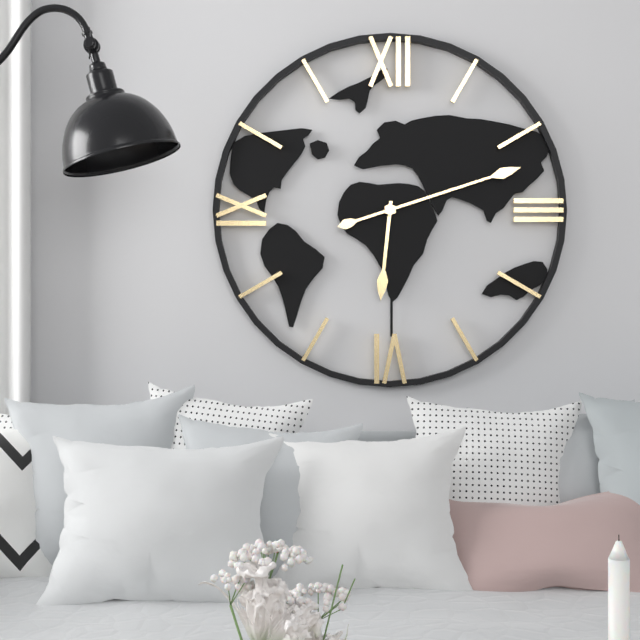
h=6 m=12
